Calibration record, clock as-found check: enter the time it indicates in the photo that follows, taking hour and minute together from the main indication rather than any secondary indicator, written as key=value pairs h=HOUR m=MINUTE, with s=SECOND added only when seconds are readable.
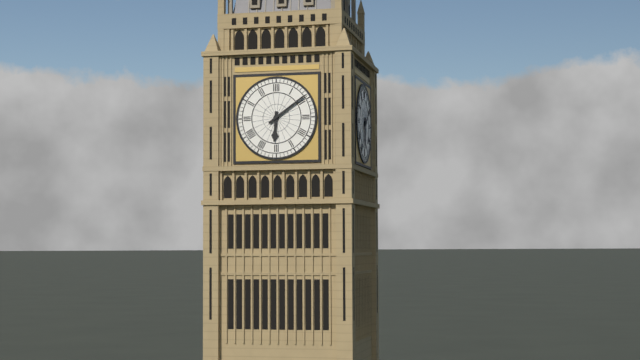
h=6 m=9
